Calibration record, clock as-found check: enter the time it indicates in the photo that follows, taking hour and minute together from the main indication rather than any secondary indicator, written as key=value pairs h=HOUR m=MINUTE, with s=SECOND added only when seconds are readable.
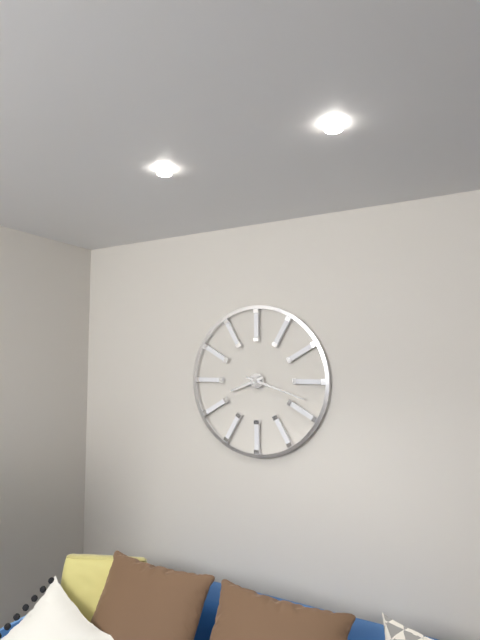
h=8 m=18
